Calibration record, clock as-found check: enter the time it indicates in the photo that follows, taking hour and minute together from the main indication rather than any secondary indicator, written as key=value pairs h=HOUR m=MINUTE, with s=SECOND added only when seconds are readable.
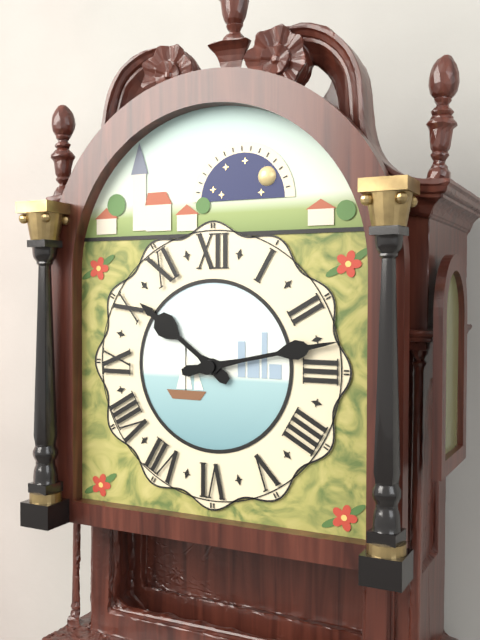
h=10 m=13
